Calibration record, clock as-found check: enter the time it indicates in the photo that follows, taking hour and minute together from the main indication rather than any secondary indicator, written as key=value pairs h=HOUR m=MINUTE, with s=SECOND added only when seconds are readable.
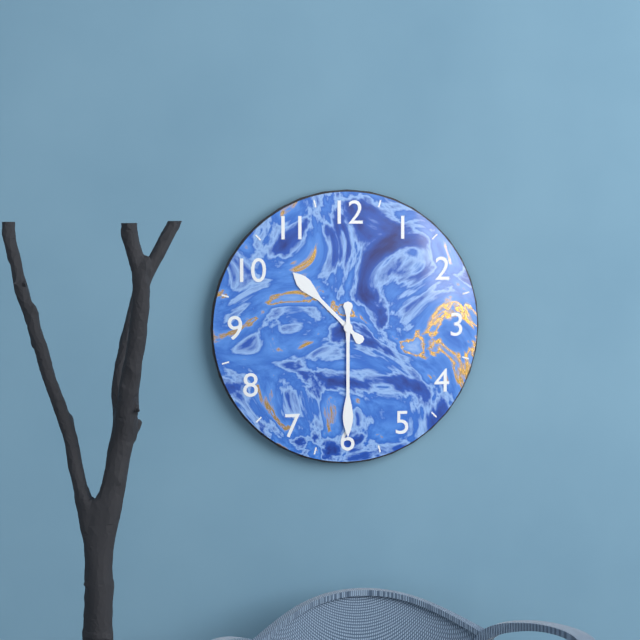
h=10 m=30
